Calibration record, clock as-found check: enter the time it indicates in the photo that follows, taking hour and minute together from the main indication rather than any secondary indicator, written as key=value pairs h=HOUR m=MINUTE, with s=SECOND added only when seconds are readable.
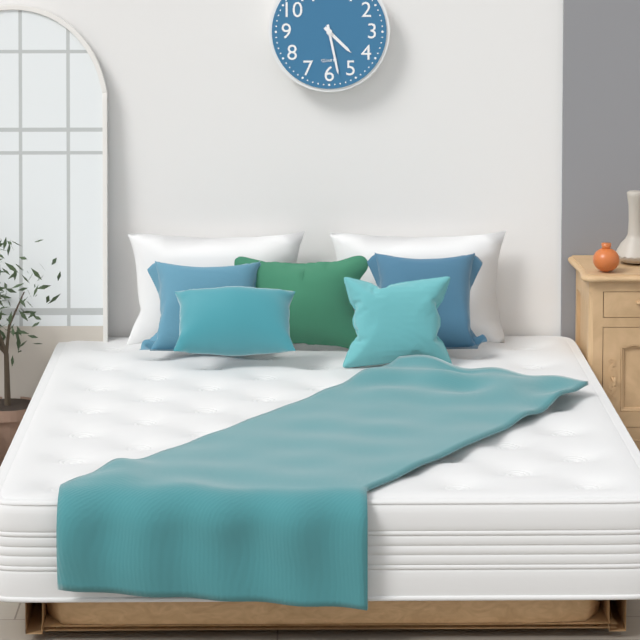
h=4 m=28
